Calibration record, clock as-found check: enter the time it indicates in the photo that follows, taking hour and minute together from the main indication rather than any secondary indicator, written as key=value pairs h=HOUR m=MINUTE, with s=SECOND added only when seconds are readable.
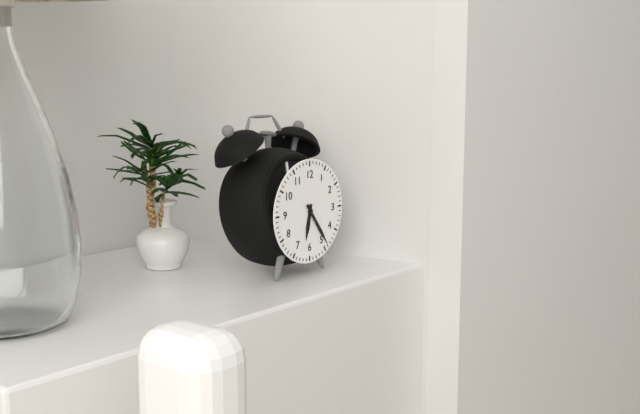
h=6 m=24
